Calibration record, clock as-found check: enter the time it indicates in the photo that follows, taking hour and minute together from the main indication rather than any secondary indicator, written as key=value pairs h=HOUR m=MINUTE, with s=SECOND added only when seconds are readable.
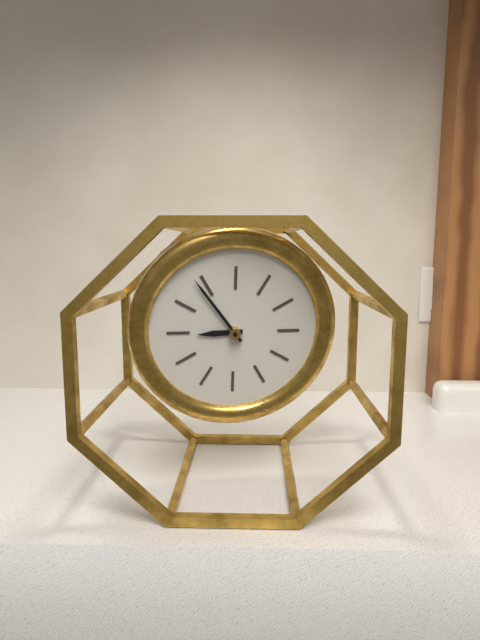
h=8 m=54
